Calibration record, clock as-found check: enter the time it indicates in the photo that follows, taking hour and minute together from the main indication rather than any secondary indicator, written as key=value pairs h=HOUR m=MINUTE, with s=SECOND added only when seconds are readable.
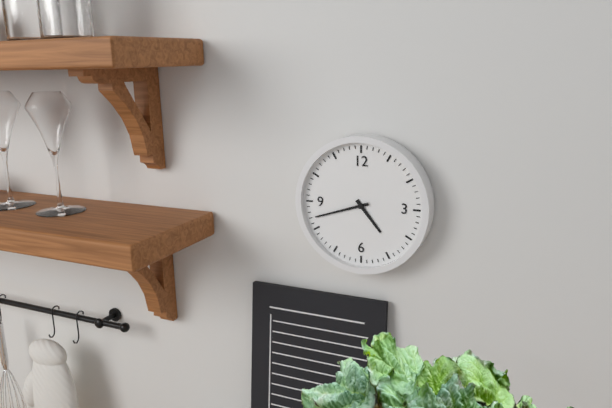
h=4 m=42
